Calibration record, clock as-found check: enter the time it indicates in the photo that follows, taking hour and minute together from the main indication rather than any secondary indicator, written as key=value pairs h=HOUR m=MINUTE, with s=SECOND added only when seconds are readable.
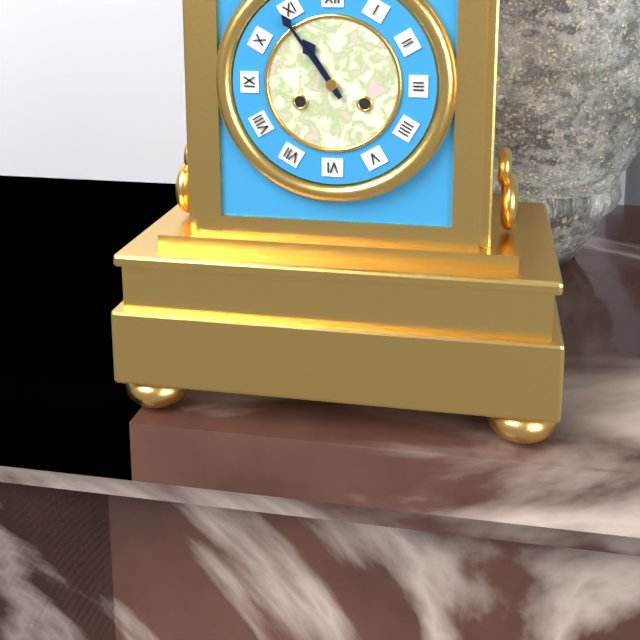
h=10 m=54
